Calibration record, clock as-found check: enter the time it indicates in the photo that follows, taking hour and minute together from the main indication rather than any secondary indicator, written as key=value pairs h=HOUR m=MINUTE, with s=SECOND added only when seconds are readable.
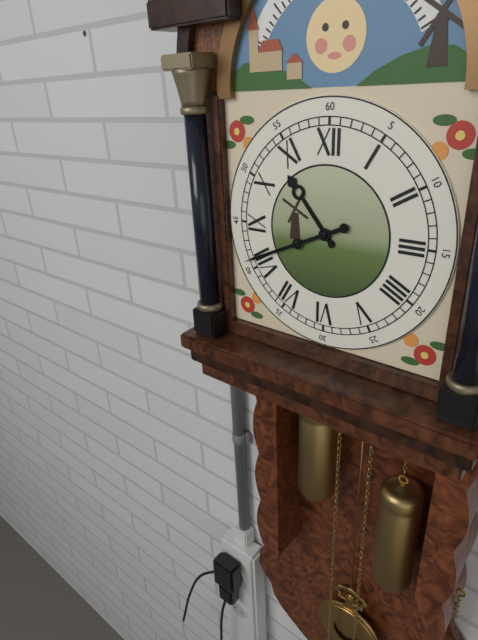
h=10 m=41
